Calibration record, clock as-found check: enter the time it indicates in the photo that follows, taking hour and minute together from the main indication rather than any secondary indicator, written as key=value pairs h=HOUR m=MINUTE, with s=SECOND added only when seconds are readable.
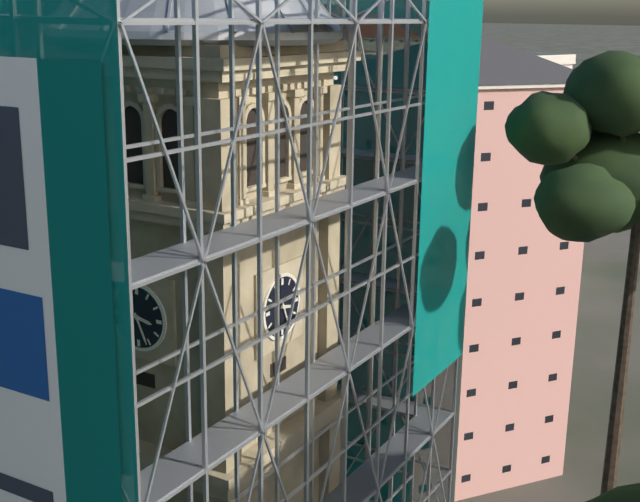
h=3 m=26
